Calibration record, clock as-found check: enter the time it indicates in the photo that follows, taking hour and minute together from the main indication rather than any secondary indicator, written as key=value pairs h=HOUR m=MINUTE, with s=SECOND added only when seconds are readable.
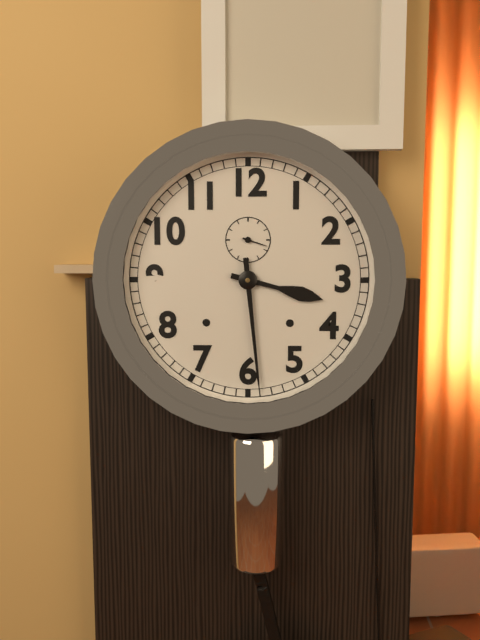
h=3 m=29
